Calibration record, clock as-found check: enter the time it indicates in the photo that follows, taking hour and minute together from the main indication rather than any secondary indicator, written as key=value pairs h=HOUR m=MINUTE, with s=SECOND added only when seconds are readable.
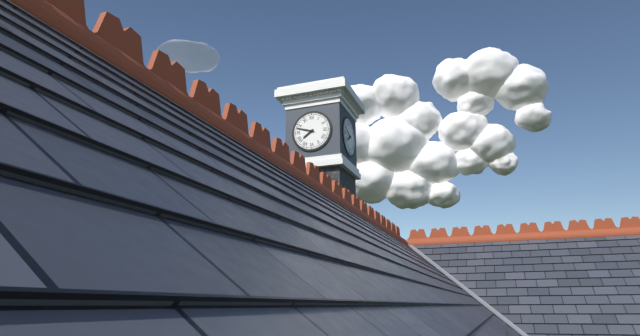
h=7 m=48
